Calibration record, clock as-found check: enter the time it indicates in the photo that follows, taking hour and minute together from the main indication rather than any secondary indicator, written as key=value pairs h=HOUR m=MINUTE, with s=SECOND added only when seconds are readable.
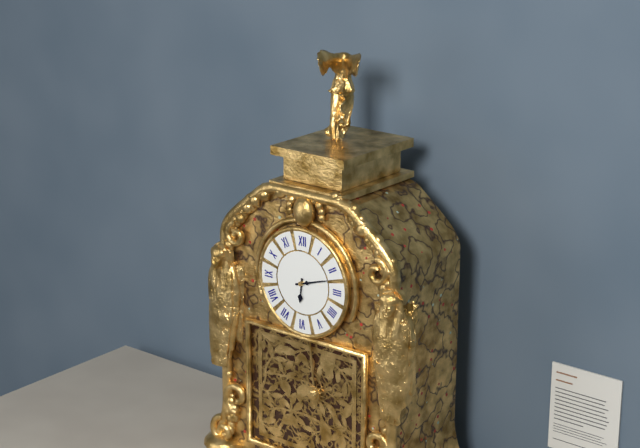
h=6 m=12
